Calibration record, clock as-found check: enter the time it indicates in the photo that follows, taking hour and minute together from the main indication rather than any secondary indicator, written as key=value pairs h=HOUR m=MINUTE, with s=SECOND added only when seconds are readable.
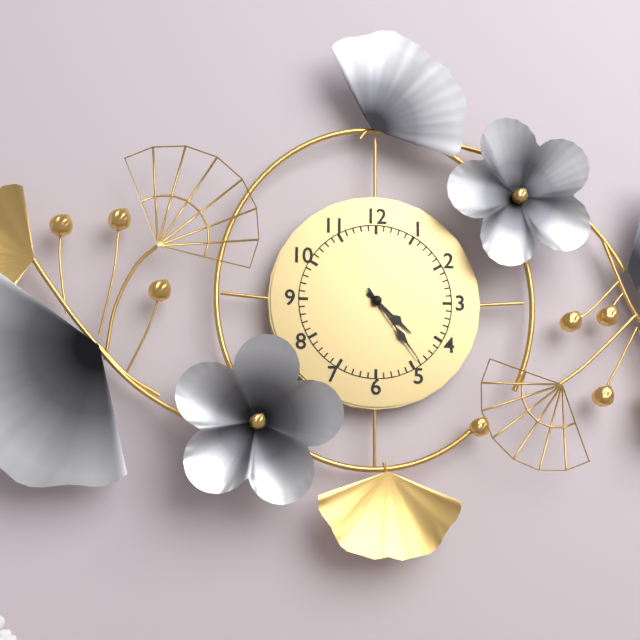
h=4 m=24
